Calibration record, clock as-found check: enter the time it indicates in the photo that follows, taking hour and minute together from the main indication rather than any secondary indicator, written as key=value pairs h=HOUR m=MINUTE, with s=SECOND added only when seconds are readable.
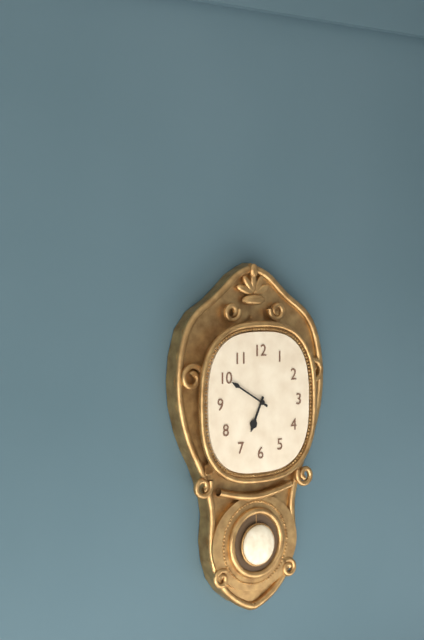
h=6 m=50
